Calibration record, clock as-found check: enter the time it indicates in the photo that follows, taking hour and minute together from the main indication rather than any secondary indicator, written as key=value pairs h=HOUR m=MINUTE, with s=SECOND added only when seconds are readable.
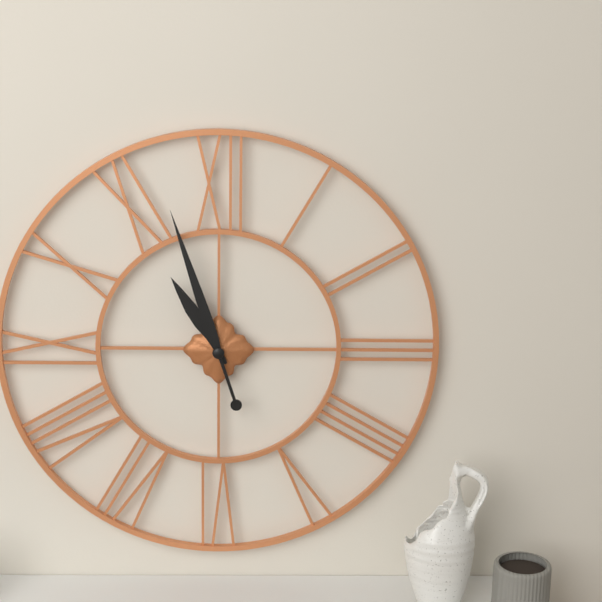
h=10 m=57
